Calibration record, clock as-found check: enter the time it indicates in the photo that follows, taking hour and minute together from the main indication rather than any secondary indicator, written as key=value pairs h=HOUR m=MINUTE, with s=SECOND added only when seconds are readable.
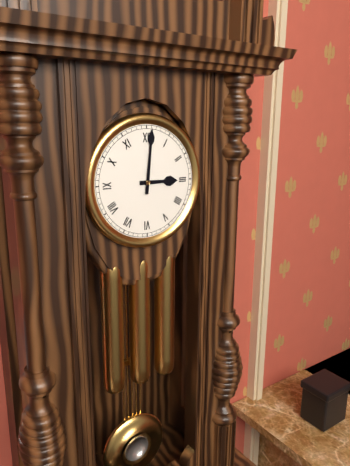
h=3 m=1
